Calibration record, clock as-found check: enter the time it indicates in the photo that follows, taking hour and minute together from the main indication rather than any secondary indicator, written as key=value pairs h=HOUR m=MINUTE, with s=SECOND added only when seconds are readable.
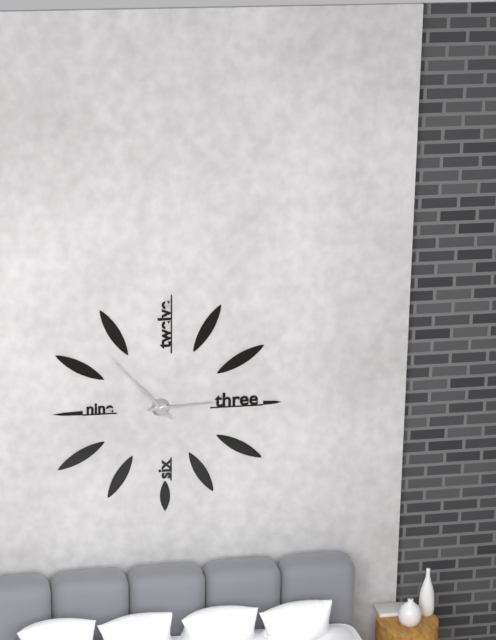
h=2 m=53
